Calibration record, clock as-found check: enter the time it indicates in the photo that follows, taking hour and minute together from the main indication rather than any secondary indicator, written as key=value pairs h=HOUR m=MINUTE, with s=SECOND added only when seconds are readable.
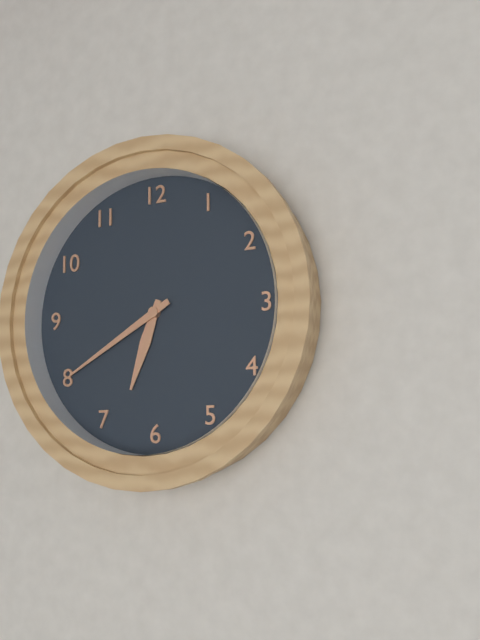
h=6 m=40
